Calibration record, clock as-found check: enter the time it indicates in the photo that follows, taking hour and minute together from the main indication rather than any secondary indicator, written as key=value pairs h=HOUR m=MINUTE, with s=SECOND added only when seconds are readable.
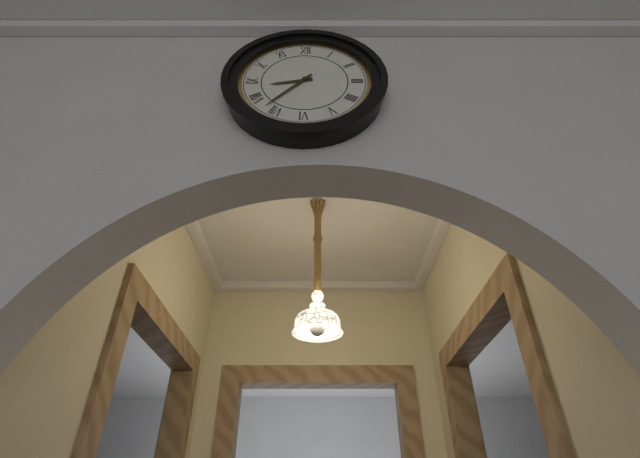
h=8 m=37
